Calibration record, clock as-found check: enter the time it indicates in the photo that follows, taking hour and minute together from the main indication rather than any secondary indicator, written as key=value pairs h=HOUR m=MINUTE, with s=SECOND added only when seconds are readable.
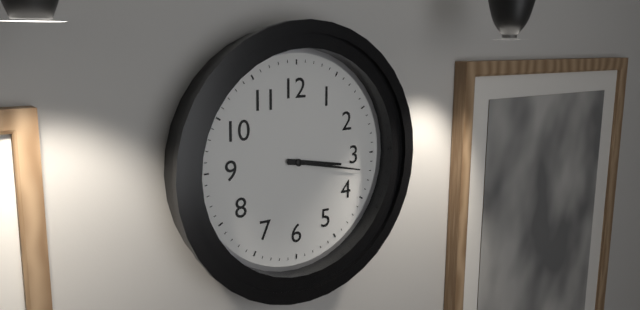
h=3 m=17
